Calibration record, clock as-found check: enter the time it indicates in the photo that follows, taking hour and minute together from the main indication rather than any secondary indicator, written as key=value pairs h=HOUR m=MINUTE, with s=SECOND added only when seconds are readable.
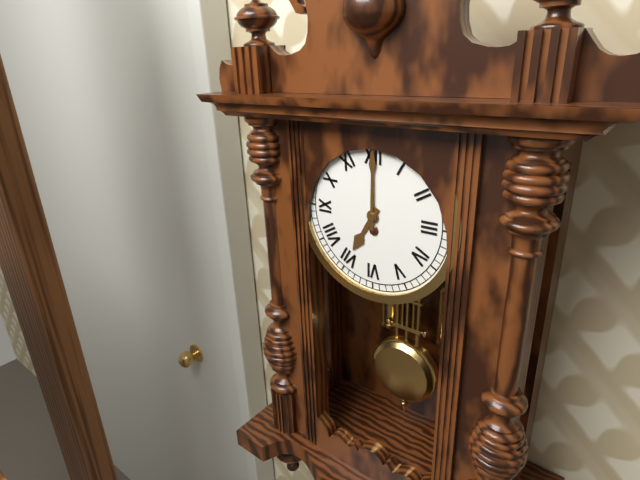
h=7 m=0
